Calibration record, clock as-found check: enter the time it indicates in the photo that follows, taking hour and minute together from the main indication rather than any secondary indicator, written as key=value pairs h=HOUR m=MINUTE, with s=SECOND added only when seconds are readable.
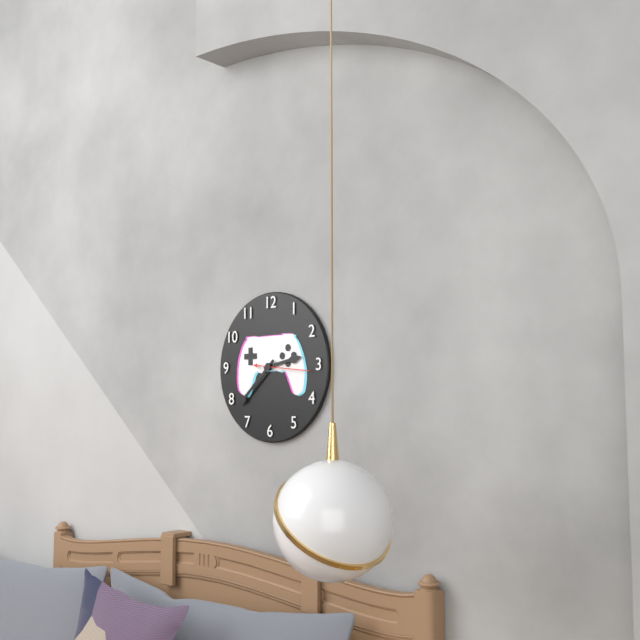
h=2 m=38
